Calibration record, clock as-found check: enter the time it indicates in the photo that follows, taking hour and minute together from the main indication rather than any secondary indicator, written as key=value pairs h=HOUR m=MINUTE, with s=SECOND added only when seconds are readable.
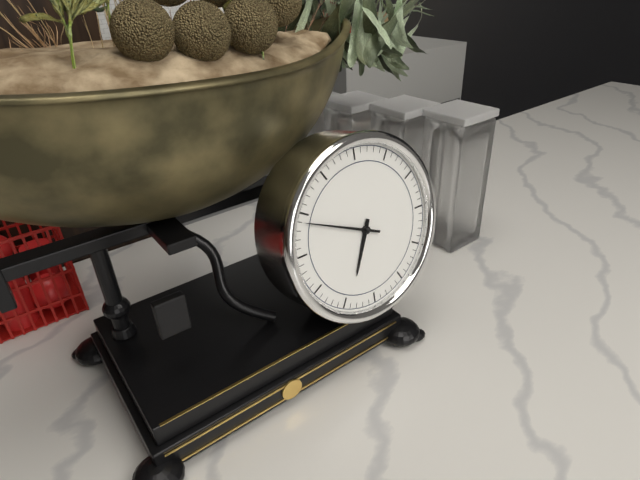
h=6 m=49
